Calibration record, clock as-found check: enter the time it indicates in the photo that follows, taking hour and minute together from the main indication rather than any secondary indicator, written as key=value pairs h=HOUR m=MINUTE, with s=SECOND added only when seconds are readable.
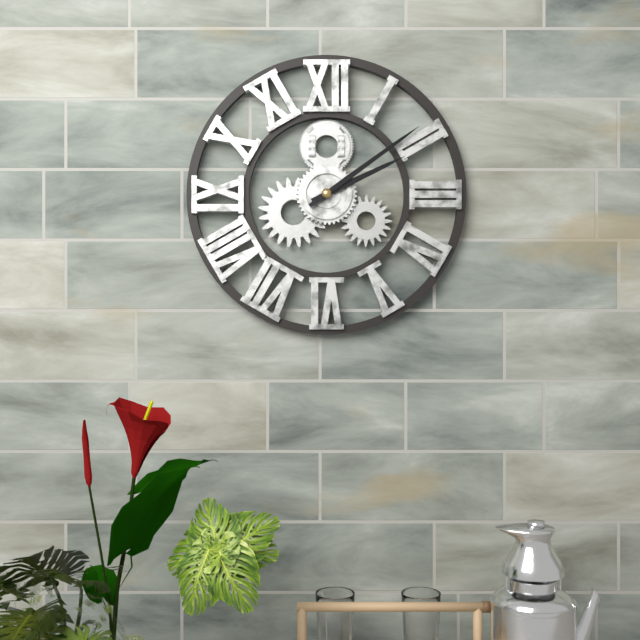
h=2 m=9
